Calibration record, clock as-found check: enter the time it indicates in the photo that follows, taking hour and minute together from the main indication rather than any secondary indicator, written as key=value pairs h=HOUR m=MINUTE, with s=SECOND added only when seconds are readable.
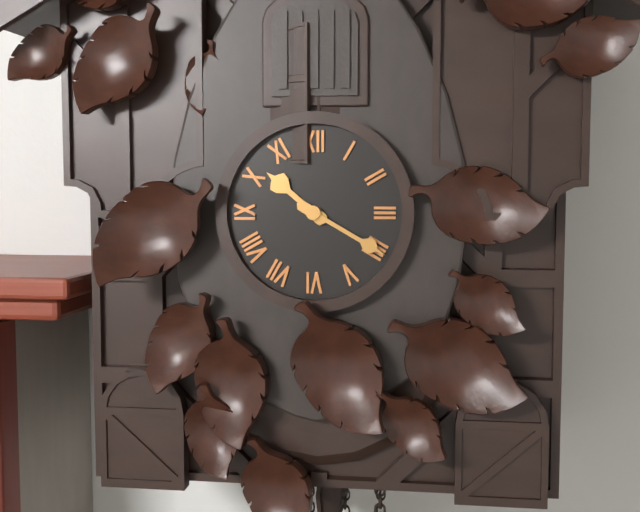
h=10 m=20
